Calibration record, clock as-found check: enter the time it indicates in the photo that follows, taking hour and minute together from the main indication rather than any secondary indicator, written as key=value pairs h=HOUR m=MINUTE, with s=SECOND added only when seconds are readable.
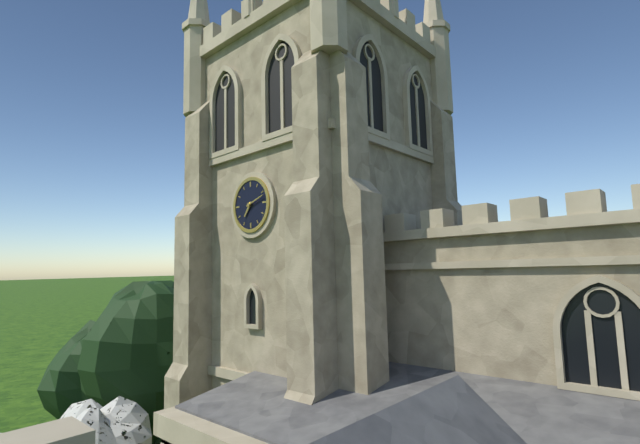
h=7 m=12
